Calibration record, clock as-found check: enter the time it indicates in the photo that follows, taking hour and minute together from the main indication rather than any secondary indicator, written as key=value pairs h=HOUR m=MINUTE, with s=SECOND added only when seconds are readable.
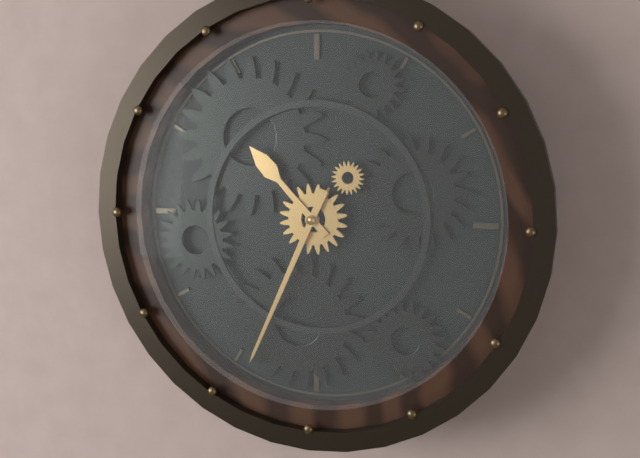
h=10 m=34
